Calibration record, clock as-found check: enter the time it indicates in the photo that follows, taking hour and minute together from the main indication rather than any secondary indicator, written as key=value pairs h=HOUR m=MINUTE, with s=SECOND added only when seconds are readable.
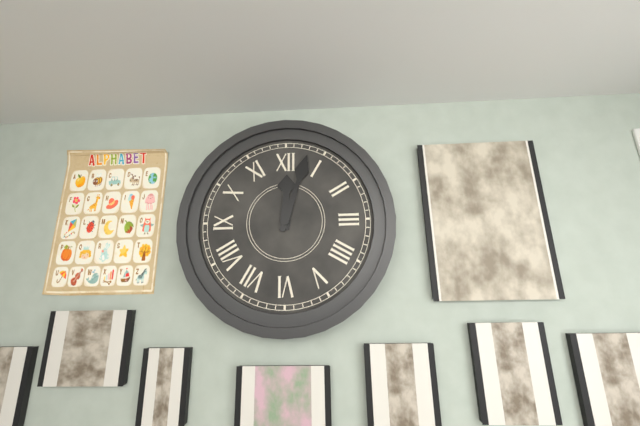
h=12 m=3
